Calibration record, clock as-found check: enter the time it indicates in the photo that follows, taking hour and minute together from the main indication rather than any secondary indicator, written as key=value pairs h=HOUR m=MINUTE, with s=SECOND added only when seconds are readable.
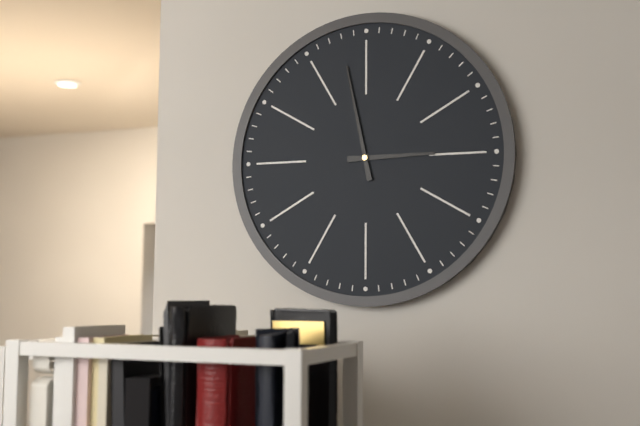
h=2 m=58
